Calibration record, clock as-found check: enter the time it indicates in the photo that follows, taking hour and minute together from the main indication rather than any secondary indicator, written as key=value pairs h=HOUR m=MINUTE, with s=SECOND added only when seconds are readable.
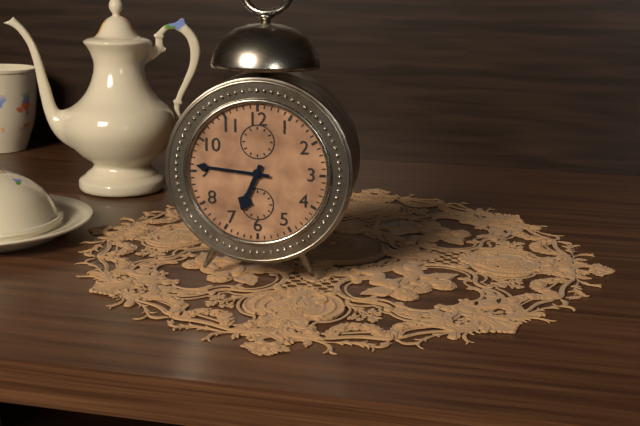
h=6 m=46
